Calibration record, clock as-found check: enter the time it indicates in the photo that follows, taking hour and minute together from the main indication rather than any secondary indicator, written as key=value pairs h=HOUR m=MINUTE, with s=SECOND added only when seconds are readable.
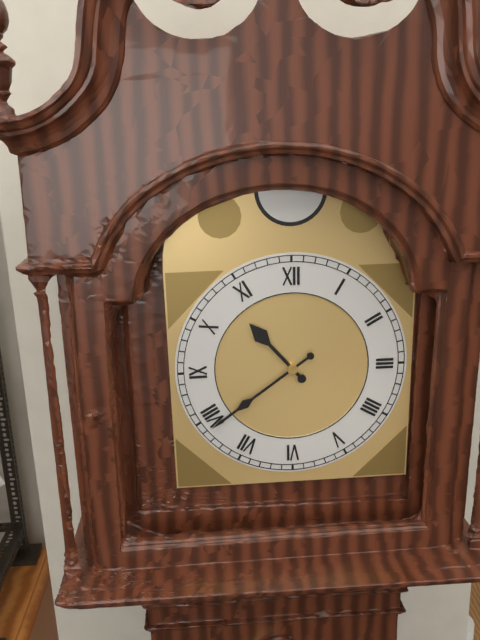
h=10 m=39
